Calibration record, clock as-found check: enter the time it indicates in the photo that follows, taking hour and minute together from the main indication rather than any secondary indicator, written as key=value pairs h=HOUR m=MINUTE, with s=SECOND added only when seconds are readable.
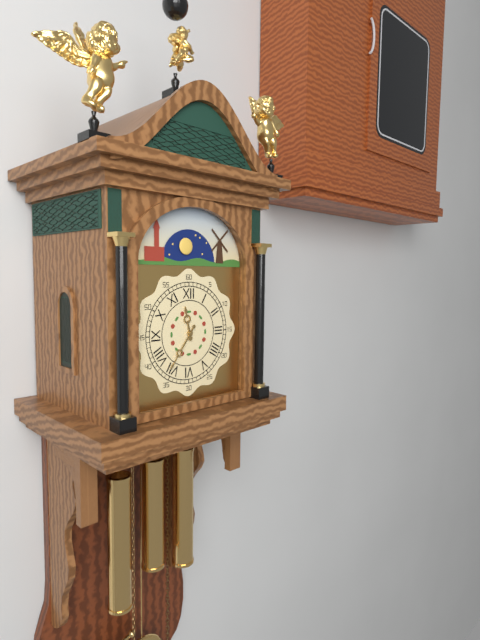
h=11 m=36
